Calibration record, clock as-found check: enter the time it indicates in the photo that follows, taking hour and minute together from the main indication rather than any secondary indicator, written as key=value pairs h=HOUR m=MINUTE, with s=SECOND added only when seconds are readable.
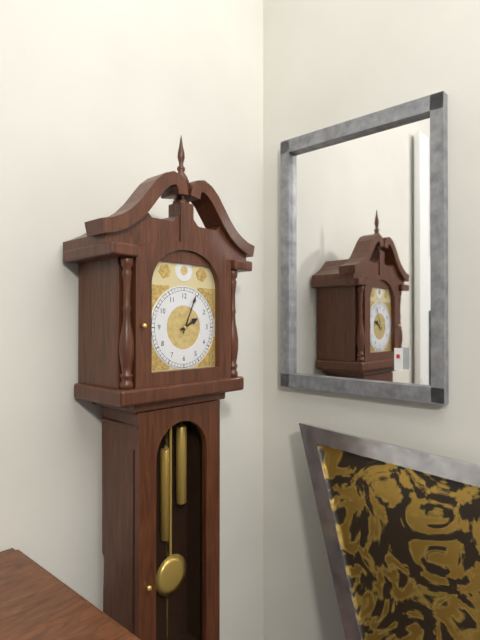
h=2 m=4
